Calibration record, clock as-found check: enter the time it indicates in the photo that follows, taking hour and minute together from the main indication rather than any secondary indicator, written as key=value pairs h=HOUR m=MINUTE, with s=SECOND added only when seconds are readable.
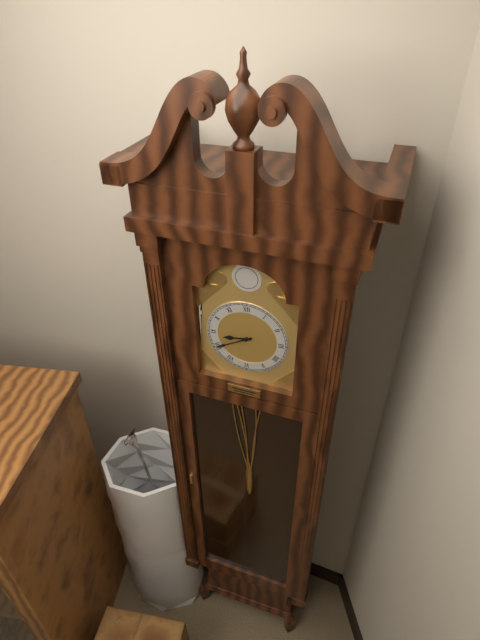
h=8 m=40
